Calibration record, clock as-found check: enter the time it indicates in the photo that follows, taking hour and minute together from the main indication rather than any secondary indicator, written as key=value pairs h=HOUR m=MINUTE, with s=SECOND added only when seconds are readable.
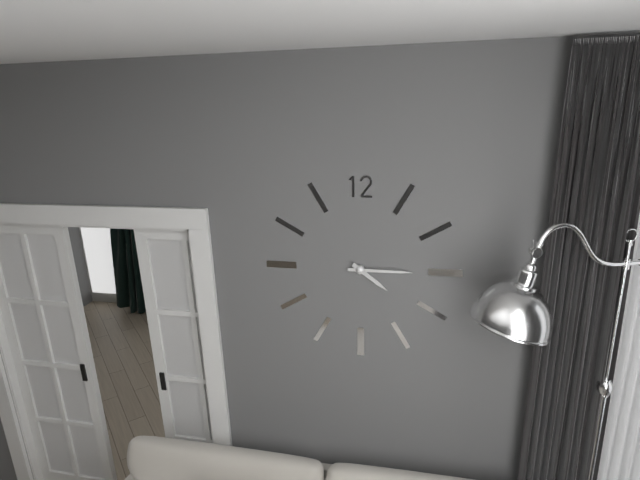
h=4 m=15
